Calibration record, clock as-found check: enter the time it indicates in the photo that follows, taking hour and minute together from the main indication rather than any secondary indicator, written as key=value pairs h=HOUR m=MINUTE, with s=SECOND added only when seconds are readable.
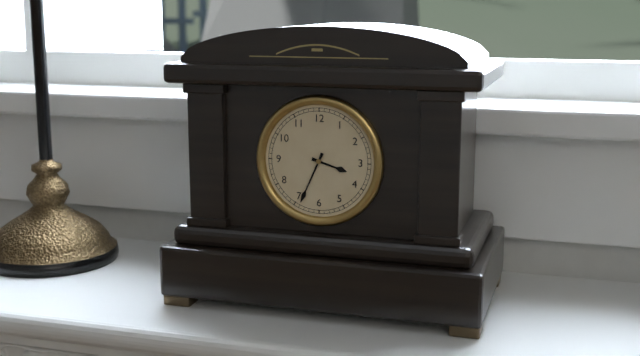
h=3 m=34
